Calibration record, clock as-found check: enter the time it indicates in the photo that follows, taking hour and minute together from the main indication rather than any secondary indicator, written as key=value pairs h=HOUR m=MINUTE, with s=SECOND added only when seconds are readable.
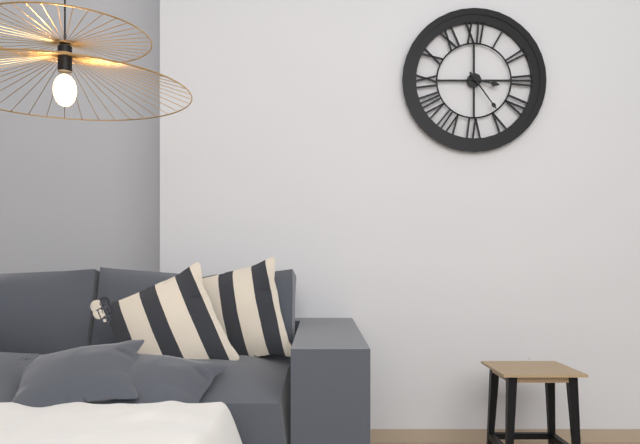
h=3 m=24
